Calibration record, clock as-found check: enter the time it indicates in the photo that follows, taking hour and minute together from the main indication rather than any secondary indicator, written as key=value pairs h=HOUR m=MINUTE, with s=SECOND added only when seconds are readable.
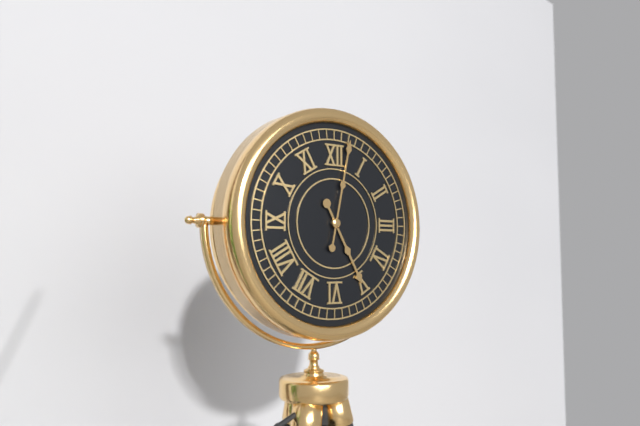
h=5 m=2
